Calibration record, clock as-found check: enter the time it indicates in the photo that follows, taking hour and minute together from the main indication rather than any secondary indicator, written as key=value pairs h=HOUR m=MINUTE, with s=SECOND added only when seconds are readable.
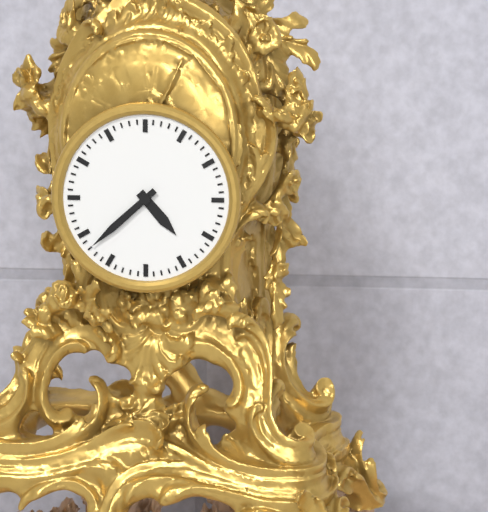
h=4 m=38
